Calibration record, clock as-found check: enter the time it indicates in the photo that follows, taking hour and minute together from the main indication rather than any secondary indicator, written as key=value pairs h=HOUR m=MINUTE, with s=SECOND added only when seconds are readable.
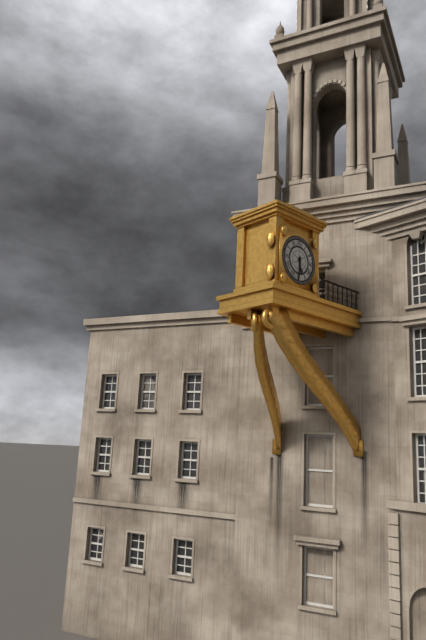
h=5 m=31
